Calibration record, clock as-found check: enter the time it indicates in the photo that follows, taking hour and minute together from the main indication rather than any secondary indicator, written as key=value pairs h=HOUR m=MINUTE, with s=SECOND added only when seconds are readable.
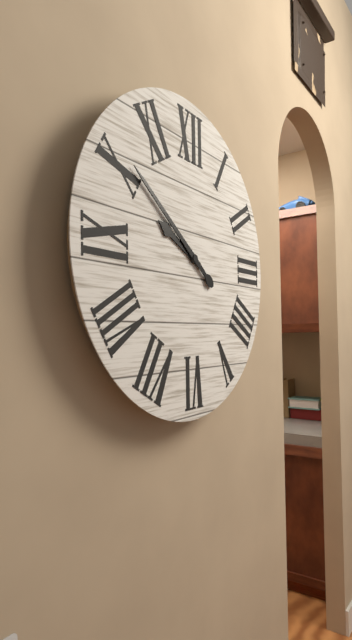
h=9 m=51
